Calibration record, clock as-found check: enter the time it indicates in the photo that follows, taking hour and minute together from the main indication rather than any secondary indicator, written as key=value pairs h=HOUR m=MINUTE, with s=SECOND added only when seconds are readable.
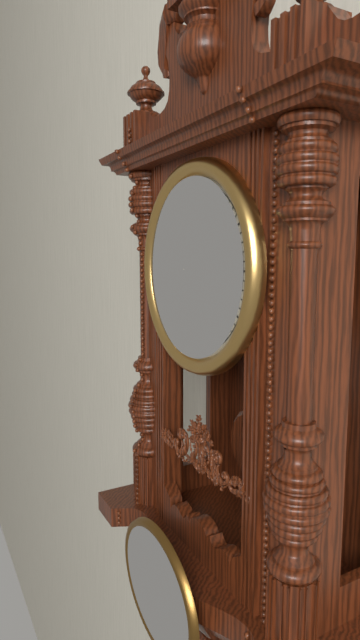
h=6 m=50
